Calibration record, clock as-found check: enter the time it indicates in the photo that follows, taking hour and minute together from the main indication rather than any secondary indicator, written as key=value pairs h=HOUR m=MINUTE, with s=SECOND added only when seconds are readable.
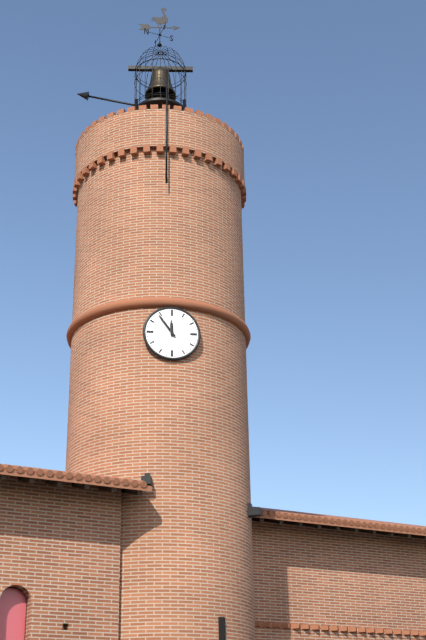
h=11 m=54
